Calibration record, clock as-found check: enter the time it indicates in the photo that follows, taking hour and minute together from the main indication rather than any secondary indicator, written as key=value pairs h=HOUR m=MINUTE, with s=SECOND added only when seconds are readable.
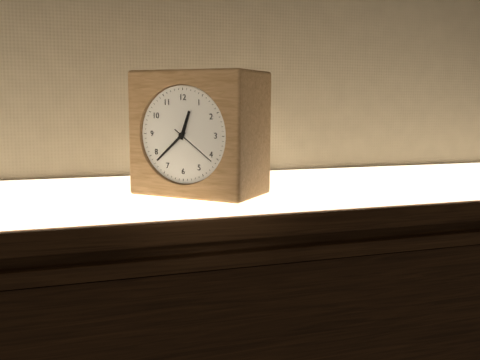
h=12 m=38
